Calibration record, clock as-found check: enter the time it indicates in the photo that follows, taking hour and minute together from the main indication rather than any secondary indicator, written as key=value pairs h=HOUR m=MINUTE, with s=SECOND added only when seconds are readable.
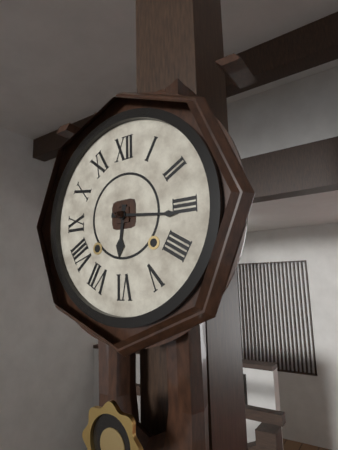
h=6 m=16
